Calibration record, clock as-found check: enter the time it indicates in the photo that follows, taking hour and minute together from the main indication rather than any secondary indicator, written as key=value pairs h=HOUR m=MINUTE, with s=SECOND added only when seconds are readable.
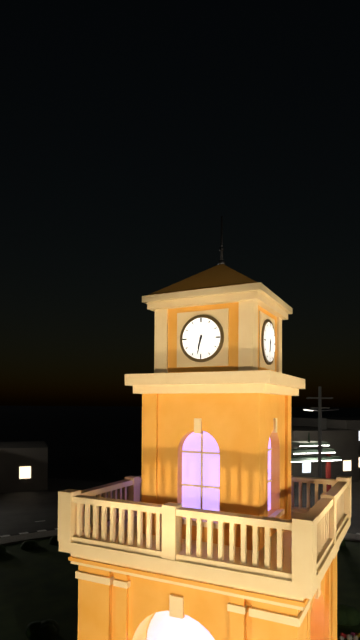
h=6 m=32
